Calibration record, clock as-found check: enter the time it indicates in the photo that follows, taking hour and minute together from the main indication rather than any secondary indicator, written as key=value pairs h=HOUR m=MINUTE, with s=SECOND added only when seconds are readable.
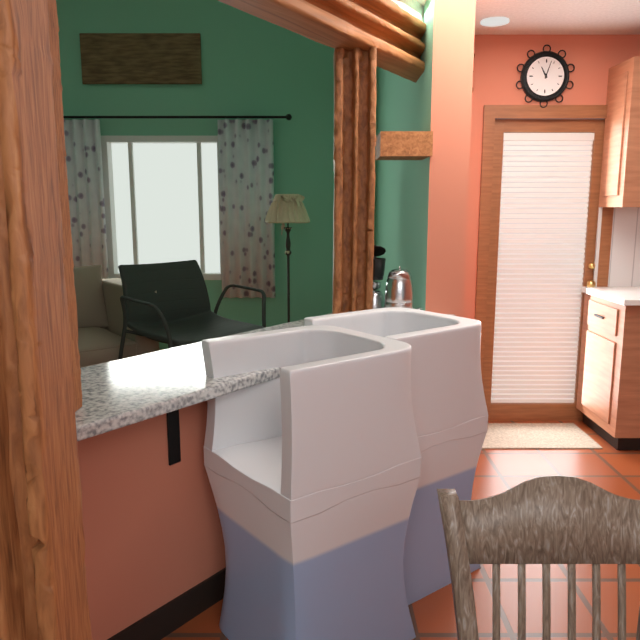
h=11 m=3
